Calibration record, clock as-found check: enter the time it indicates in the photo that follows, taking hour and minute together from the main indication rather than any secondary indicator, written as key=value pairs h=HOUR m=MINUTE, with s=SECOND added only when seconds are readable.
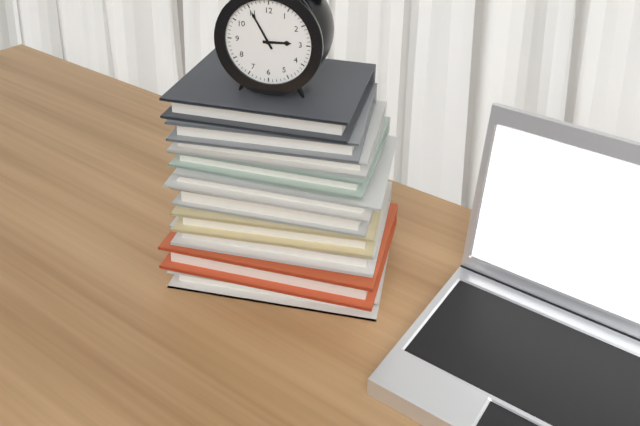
h=2 m=55
